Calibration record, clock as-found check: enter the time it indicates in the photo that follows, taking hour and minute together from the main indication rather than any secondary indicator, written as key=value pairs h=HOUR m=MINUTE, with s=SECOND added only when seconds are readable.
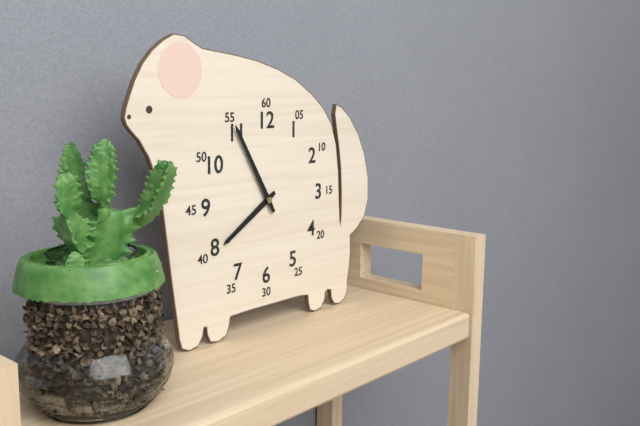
h=7 m=55
